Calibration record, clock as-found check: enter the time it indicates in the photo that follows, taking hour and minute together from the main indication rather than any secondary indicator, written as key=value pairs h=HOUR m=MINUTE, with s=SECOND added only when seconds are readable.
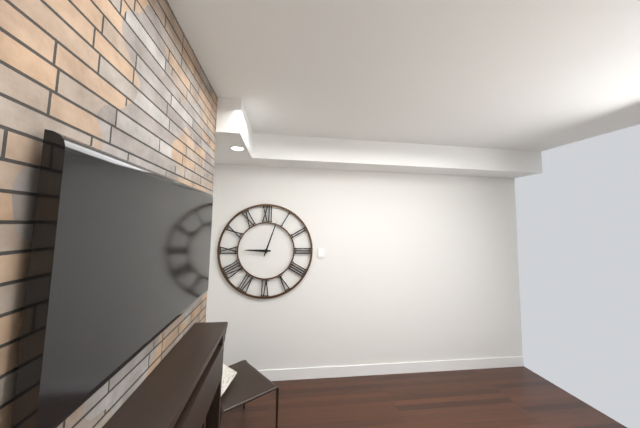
h=9 m=3
